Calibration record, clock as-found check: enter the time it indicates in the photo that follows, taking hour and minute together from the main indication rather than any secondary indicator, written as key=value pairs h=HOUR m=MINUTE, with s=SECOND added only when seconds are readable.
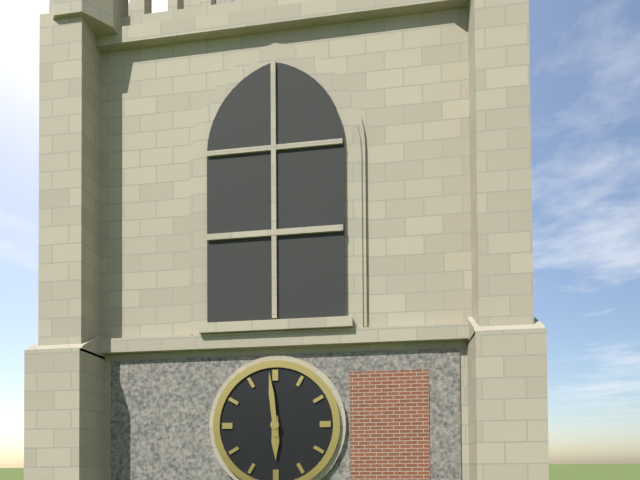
h=5 m=59
